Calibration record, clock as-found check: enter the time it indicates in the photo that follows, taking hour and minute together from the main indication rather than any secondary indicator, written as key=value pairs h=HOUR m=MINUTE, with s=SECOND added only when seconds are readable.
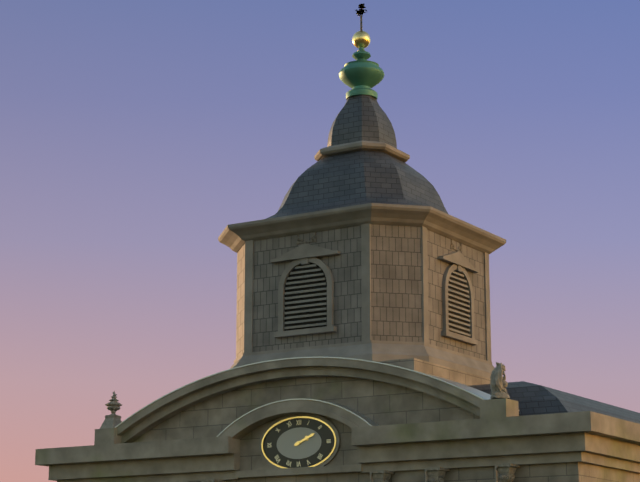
h=2 m=11
